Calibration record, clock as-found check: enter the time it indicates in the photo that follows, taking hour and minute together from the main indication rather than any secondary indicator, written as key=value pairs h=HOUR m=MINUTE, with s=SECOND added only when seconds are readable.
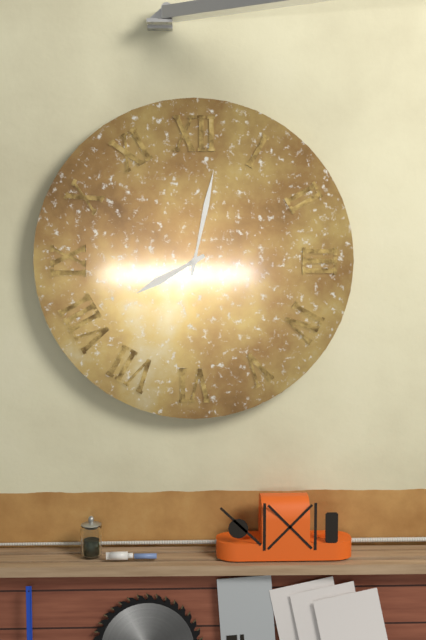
h=8 m=2
